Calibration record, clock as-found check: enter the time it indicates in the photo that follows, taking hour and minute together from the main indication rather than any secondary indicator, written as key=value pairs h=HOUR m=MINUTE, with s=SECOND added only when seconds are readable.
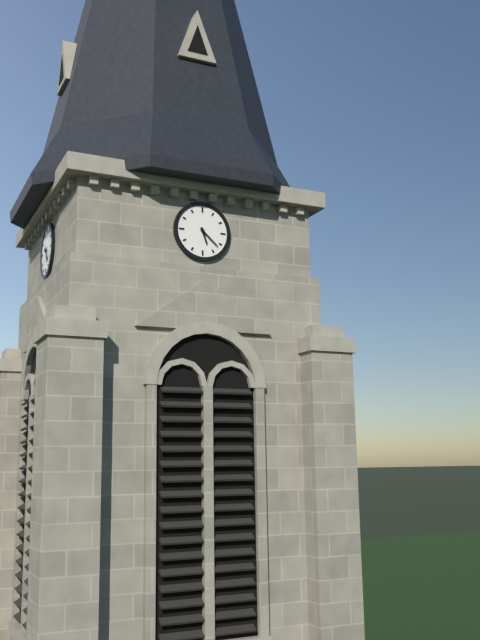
h=5 m=22
